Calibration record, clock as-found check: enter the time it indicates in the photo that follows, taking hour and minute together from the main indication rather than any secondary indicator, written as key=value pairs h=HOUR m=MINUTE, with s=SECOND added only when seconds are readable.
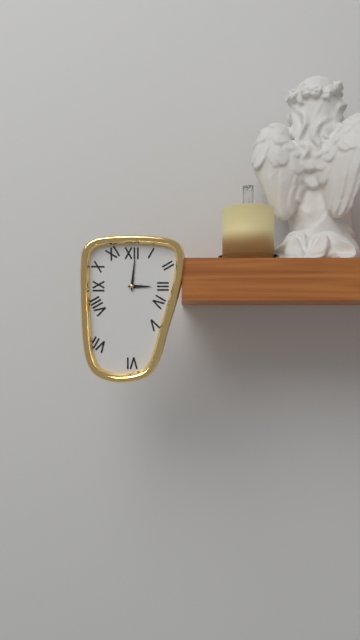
h=3 m=1
